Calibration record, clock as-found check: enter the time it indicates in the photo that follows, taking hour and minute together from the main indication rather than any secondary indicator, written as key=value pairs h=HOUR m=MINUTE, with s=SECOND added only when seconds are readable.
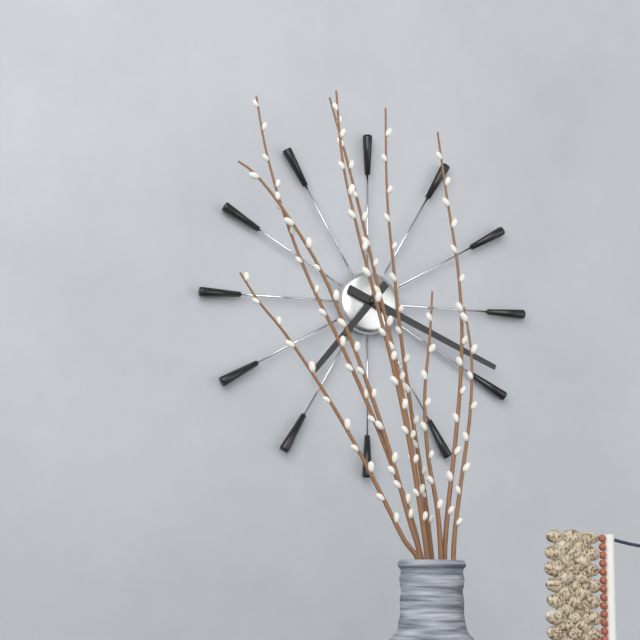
h=7 m=19
